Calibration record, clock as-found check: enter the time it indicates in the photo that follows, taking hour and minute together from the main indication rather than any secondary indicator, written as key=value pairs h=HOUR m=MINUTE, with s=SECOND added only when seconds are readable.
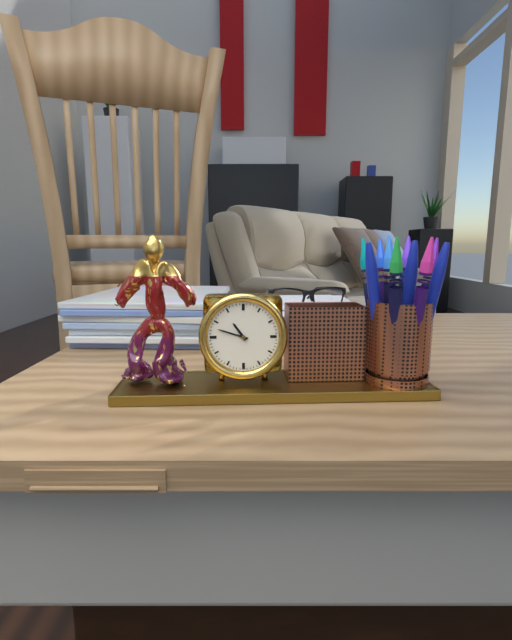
h=10 m=48
